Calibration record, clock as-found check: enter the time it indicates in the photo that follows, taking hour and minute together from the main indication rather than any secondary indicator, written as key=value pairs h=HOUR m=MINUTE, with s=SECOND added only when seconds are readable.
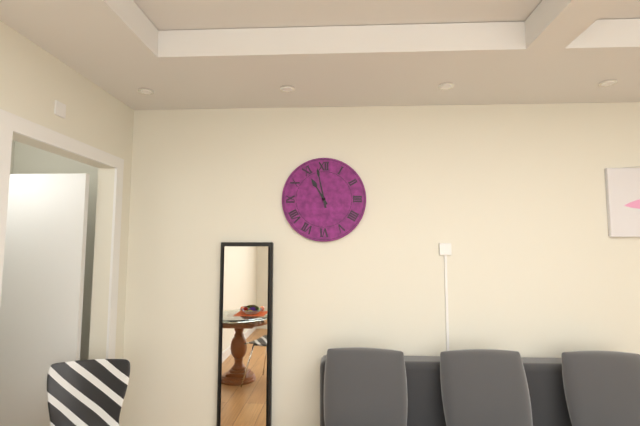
h=10 m=58
